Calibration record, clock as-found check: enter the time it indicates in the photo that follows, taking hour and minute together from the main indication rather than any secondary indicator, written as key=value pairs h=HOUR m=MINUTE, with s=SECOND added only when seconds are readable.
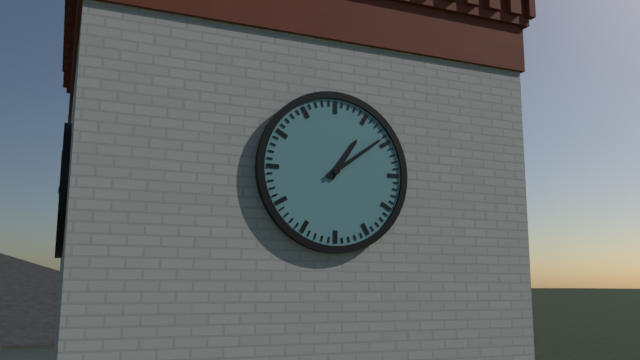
h=1 m=9
